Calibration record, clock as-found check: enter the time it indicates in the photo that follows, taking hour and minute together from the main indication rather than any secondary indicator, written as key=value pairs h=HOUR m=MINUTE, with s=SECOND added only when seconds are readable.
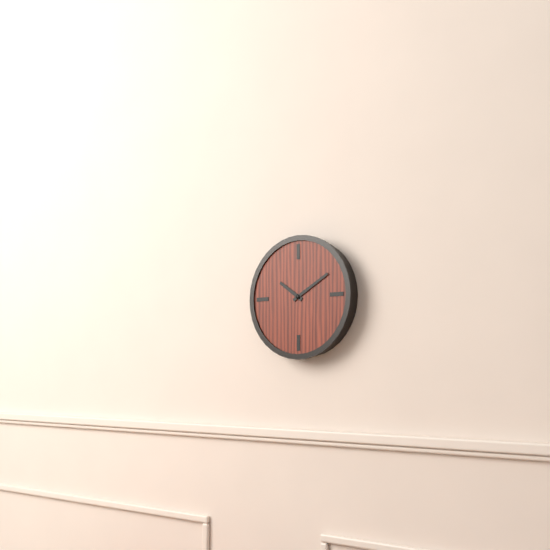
h=10 m=10
